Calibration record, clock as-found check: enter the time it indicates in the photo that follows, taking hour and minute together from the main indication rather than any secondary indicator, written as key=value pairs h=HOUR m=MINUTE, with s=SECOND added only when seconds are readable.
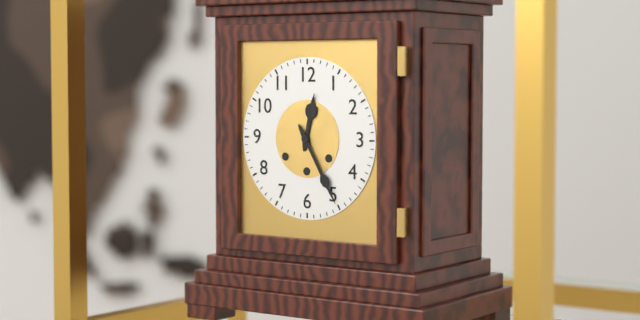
h=12 m=25
